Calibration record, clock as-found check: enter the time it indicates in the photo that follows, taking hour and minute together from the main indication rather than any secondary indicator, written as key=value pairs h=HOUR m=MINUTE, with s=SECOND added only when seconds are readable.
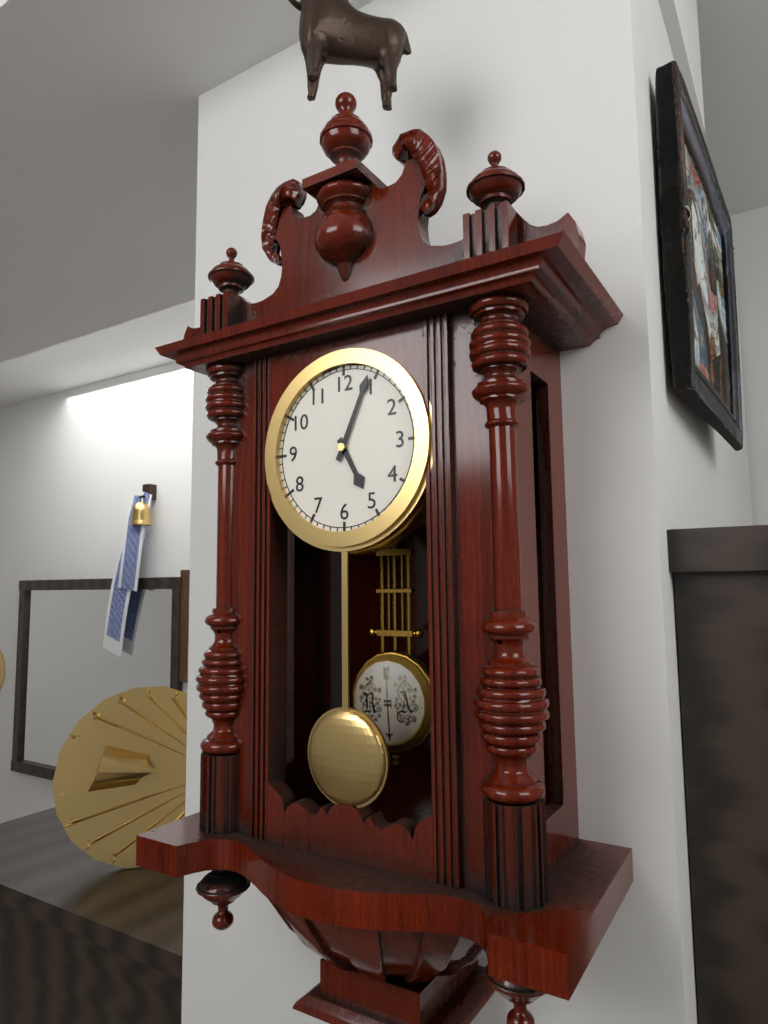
h=5 m=4
